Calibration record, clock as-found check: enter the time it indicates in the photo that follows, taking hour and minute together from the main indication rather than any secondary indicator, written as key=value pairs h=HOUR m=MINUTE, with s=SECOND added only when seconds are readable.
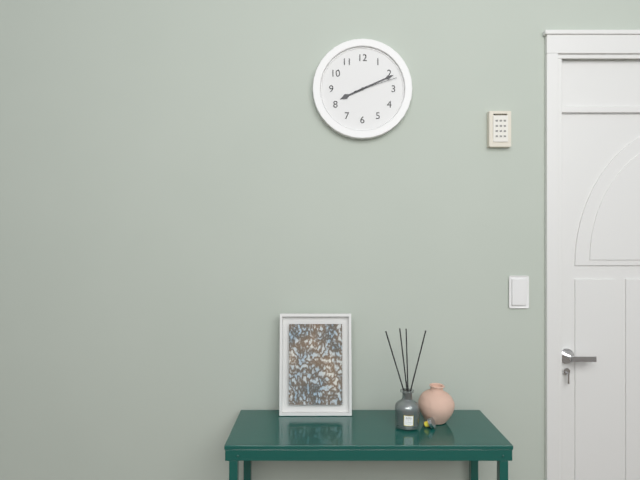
h=8 m=11
